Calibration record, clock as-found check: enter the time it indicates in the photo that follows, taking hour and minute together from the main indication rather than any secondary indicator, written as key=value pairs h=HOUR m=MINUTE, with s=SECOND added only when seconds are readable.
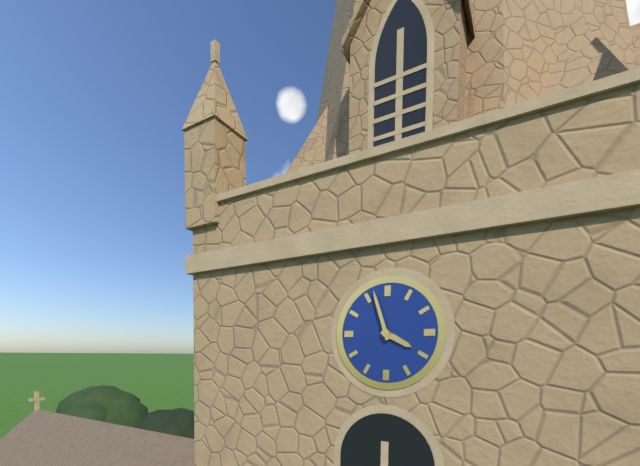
h=3 m=57
